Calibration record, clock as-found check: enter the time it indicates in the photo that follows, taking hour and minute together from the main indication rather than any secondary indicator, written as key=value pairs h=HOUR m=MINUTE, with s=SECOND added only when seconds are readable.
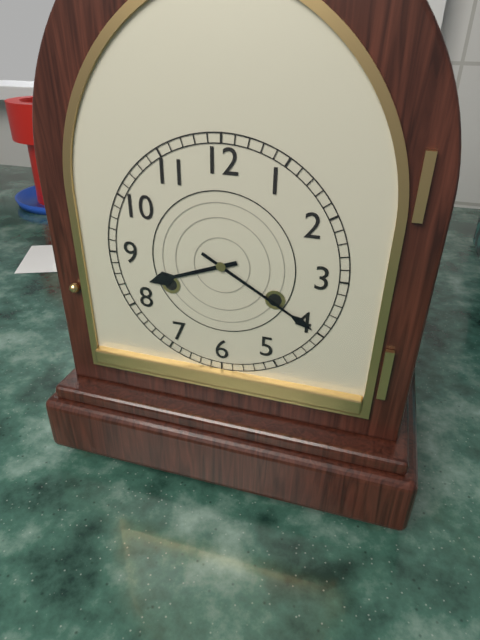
h=8 m=20
